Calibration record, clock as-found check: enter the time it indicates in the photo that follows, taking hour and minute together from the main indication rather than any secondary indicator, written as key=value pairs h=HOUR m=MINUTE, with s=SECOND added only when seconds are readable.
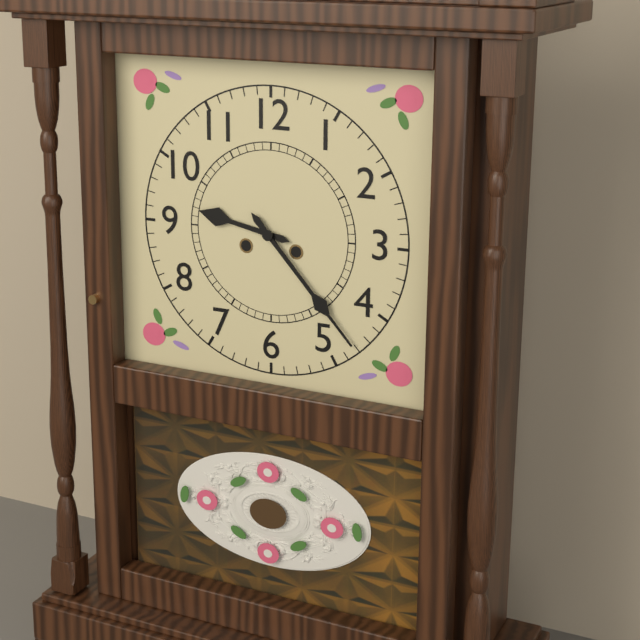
h=9 m=23
